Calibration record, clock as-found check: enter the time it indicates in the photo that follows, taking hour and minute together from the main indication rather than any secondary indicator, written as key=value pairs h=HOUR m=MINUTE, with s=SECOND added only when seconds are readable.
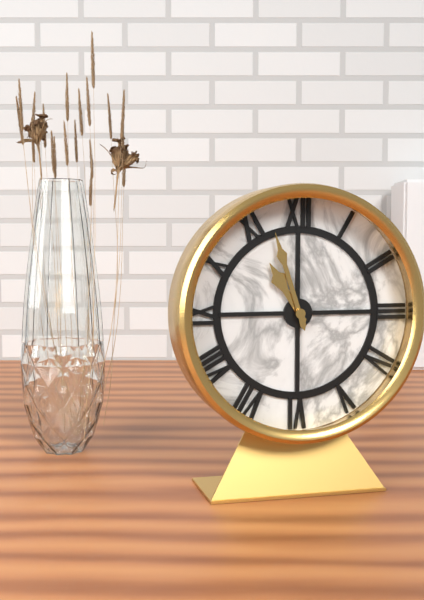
h=10 m=57
